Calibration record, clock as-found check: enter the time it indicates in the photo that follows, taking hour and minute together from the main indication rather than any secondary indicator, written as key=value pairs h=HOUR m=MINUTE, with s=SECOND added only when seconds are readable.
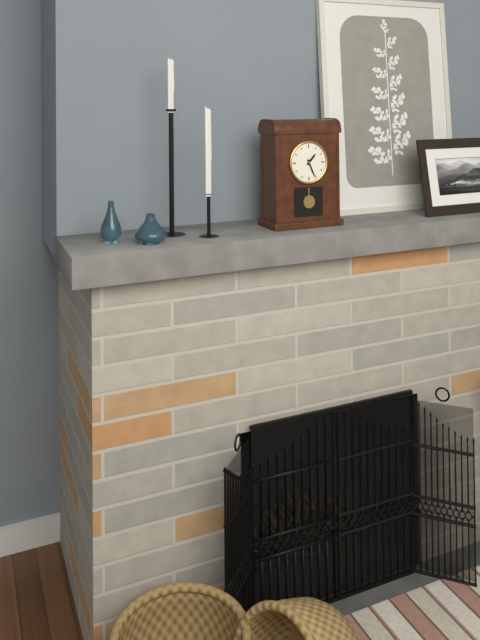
h=1 m=26
